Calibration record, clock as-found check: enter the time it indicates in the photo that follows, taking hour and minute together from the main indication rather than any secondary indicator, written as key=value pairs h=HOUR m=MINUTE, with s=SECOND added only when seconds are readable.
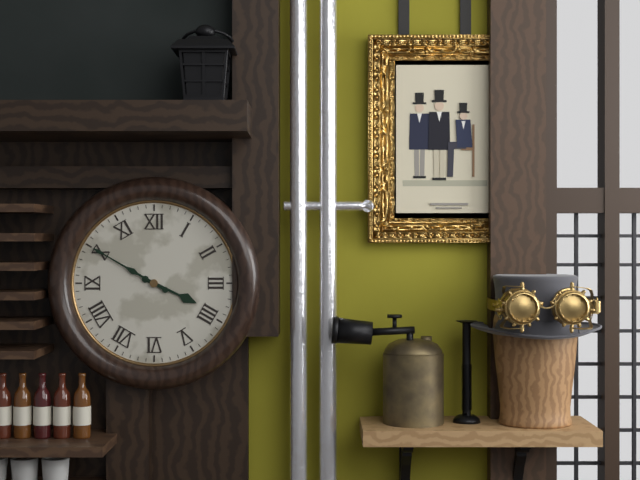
h=3 m=50
